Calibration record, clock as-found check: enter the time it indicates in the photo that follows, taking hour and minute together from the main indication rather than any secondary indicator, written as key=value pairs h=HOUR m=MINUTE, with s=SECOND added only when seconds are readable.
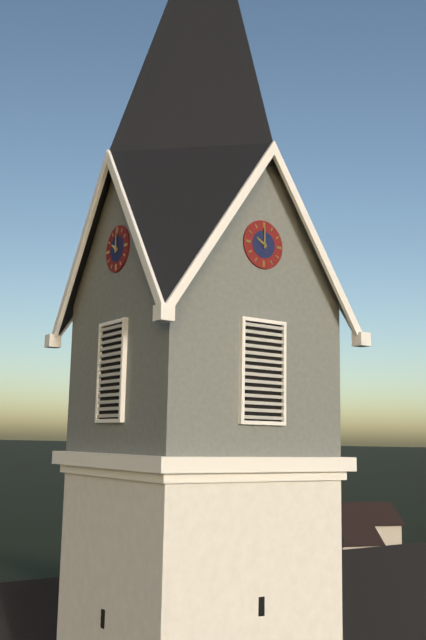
h=10 m=0
